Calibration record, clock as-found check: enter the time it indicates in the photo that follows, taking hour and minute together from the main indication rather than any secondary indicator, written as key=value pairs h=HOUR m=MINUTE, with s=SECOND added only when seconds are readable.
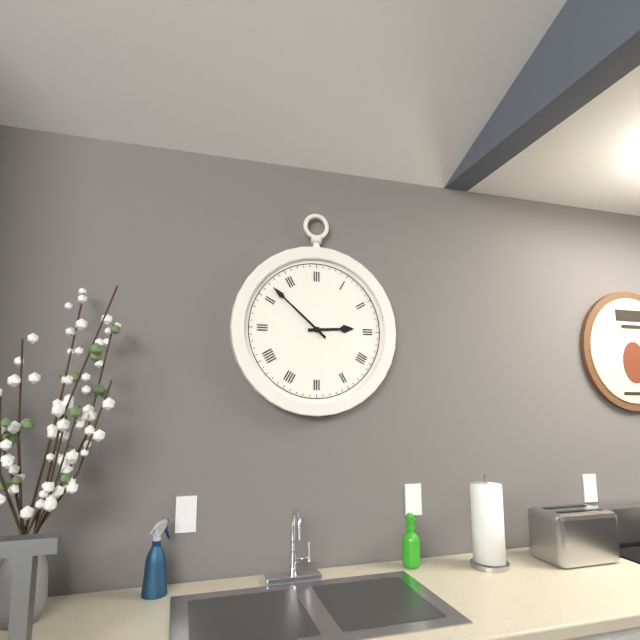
h=2 m=52
